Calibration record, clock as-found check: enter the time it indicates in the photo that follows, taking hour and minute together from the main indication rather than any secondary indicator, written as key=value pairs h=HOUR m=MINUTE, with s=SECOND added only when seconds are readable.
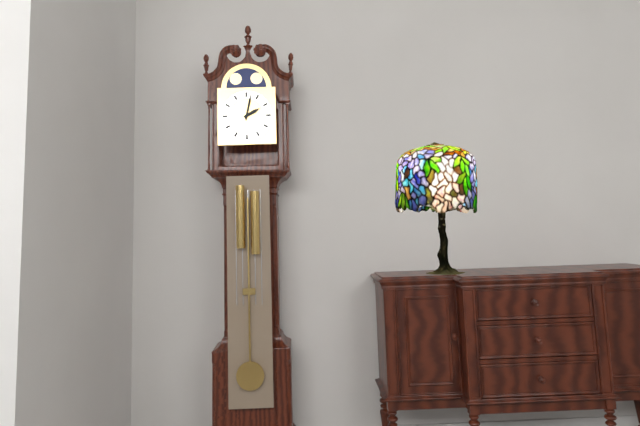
h=2 m=2
